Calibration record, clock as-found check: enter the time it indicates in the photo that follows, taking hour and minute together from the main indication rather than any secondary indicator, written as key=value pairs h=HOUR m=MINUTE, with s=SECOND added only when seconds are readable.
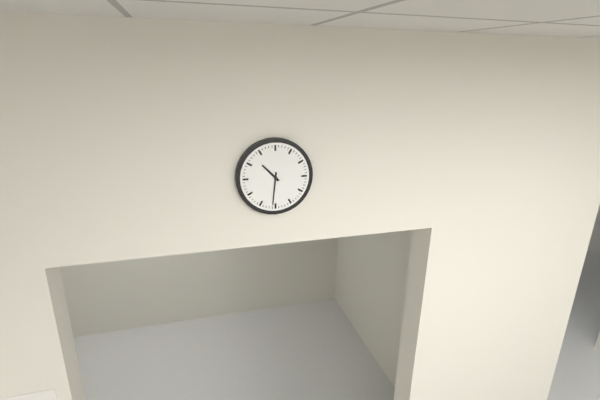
h=10 m=31
